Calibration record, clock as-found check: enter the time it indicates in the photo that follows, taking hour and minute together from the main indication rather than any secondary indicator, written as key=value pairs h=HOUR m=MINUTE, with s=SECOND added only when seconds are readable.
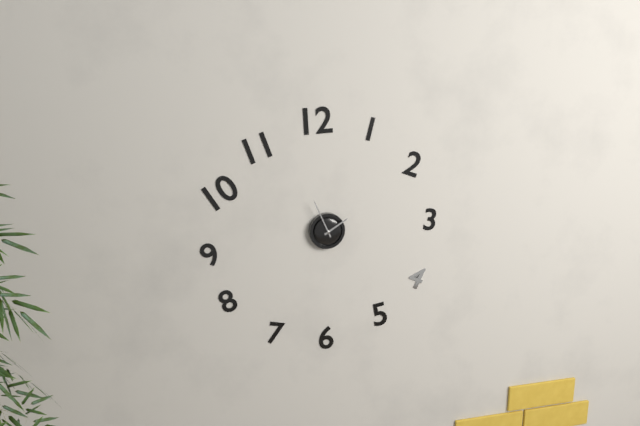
h=1 m=56
